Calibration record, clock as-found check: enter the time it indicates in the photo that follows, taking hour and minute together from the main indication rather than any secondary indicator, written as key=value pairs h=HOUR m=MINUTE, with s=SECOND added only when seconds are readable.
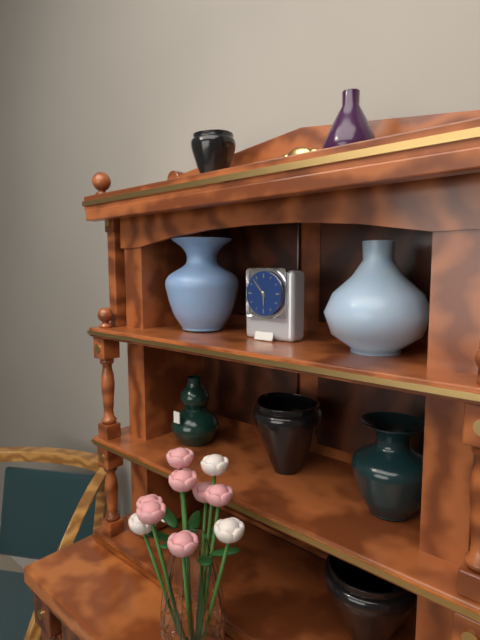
h=5 m=53
